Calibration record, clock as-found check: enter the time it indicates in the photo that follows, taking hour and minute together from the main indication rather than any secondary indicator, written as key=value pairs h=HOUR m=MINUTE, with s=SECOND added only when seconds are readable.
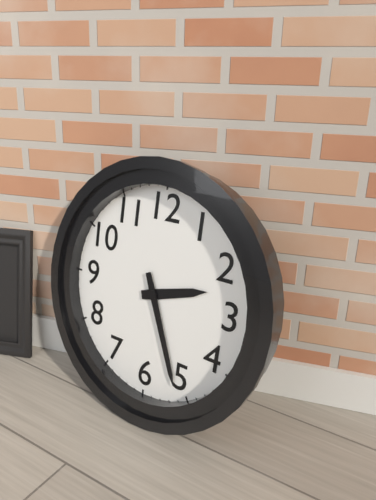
h=2 m=26
